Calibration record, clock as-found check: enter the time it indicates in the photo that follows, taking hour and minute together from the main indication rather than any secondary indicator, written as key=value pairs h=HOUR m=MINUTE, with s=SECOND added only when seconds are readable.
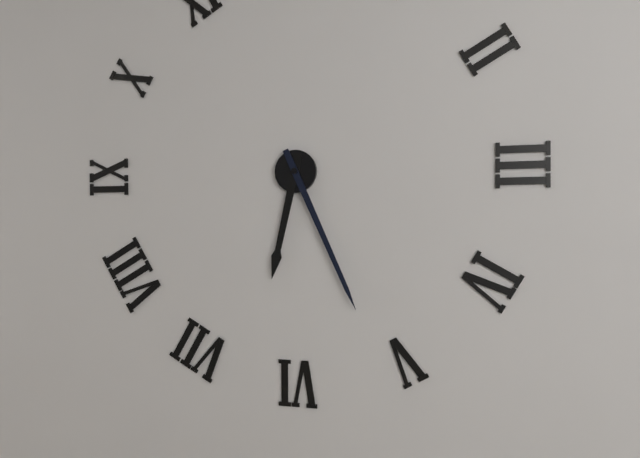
h=6 m=26
